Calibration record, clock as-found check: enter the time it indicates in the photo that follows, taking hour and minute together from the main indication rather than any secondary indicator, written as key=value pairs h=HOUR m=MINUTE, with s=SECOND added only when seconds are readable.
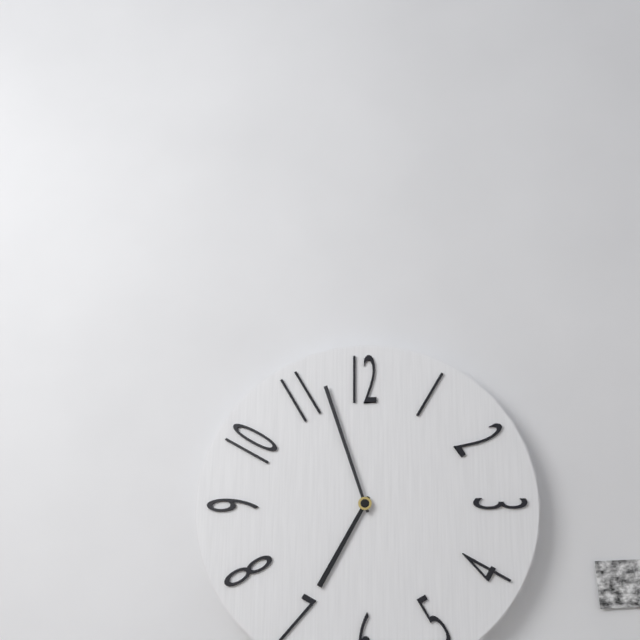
h=6 m=57
